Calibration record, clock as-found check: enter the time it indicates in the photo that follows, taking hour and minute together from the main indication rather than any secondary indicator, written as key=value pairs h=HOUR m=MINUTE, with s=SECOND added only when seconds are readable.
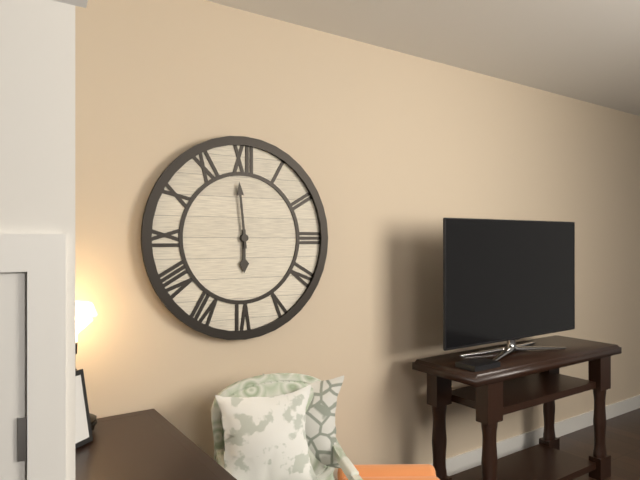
h=5 m=59
